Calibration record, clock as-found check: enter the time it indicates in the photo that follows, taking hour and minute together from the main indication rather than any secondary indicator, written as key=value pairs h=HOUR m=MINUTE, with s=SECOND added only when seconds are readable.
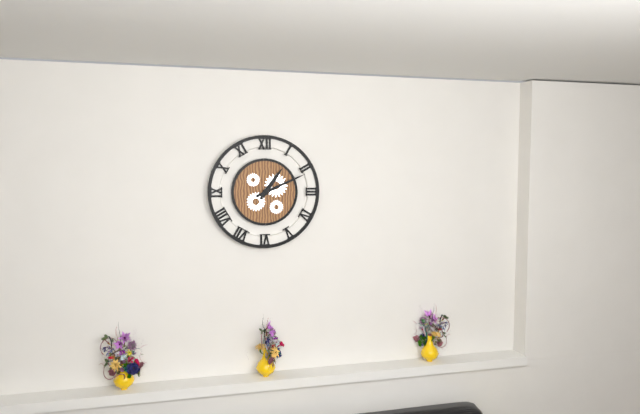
h=1 m=11
